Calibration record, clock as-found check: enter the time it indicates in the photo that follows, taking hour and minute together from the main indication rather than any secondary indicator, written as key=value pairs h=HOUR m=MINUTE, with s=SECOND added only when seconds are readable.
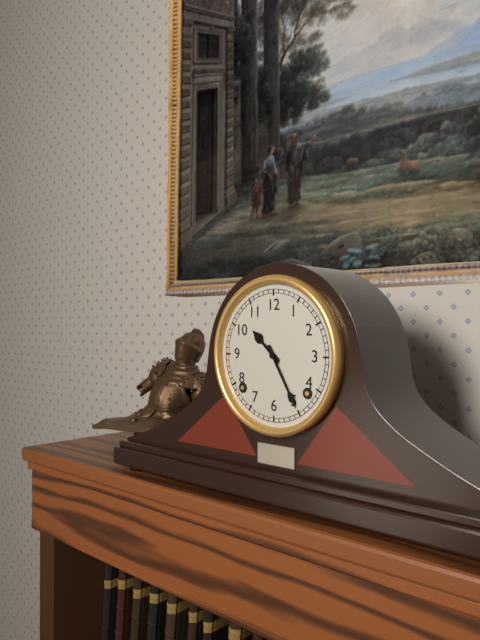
h=10 m=25
